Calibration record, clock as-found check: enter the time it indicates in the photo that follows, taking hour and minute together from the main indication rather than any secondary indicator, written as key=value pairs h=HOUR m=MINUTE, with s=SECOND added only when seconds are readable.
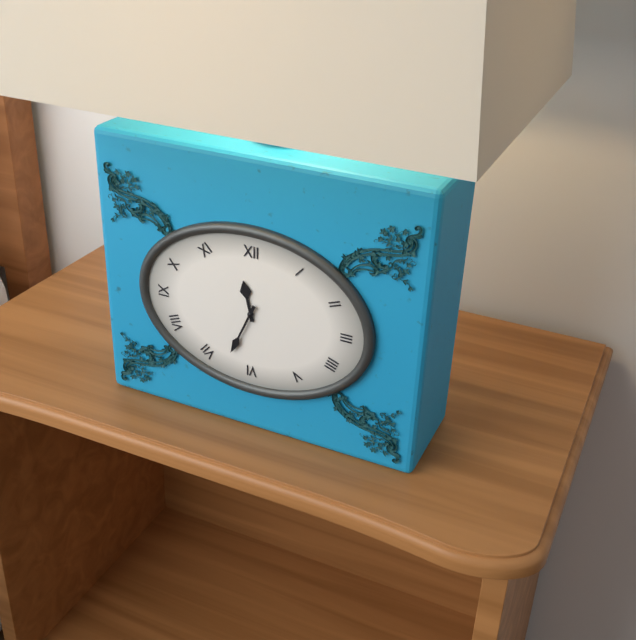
h=11 m=34
